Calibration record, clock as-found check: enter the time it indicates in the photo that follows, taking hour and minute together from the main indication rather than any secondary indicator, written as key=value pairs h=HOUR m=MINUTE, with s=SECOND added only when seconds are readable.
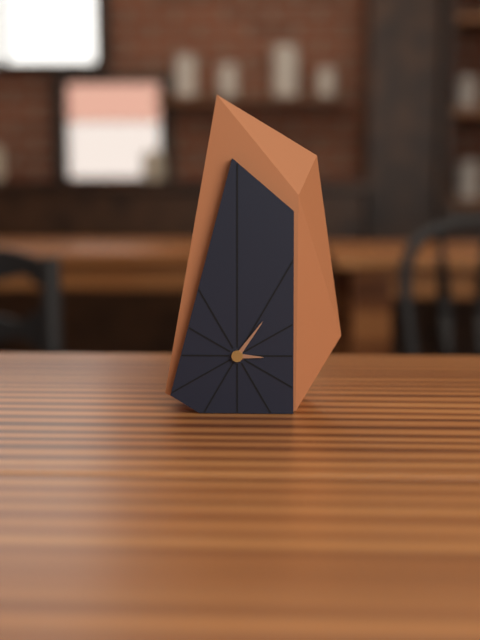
h=3 m=6
